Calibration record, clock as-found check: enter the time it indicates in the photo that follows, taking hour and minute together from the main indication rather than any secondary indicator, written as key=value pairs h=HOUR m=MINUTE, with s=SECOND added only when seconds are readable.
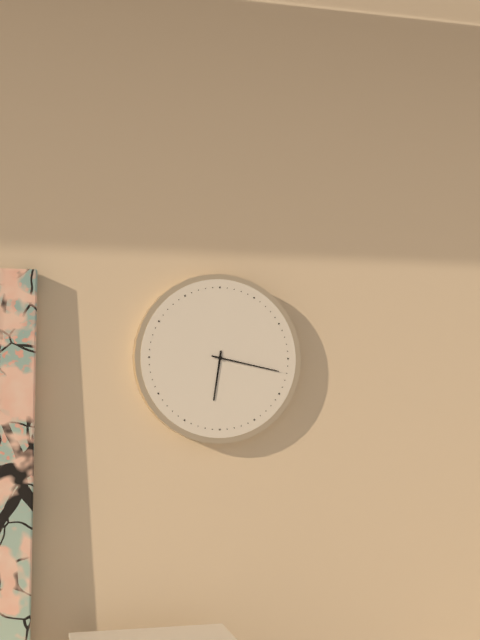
h=6 m=17
